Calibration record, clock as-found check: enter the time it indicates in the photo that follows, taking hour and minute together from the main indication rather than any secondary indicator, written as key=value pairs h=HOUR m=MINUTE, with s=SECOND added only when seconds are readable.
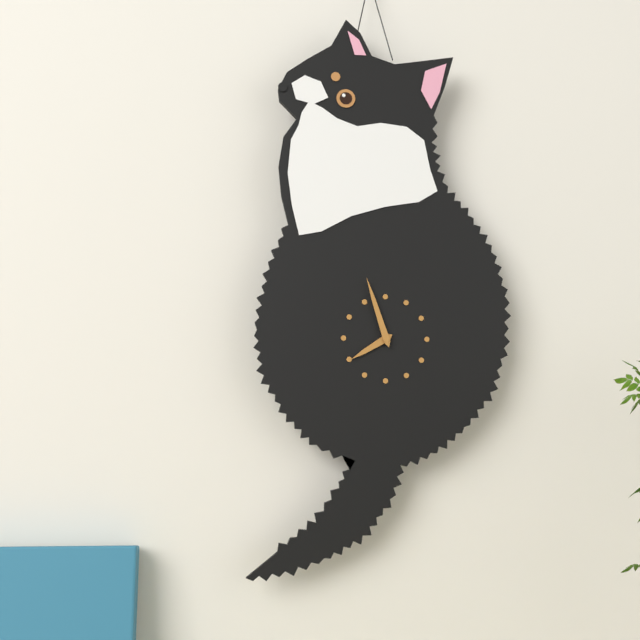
h=7 m=57
